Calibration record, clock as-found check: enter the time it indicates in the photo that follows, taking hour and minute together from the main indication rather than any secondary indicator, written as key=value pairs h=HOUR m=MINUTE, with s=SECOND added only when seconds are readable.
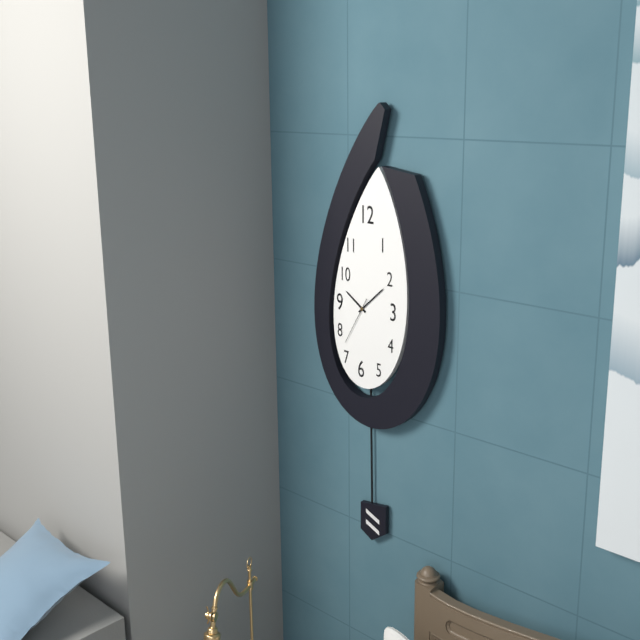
h=10 m=8
